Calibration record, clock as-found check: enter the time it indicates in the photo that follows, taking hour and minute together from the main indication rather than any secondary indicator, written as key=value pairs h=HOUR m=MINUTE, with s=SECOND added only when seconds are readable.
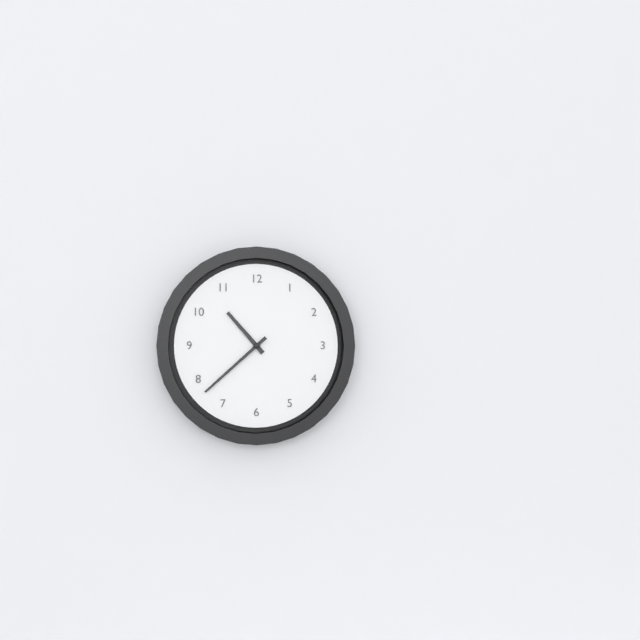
h=10 m=38
